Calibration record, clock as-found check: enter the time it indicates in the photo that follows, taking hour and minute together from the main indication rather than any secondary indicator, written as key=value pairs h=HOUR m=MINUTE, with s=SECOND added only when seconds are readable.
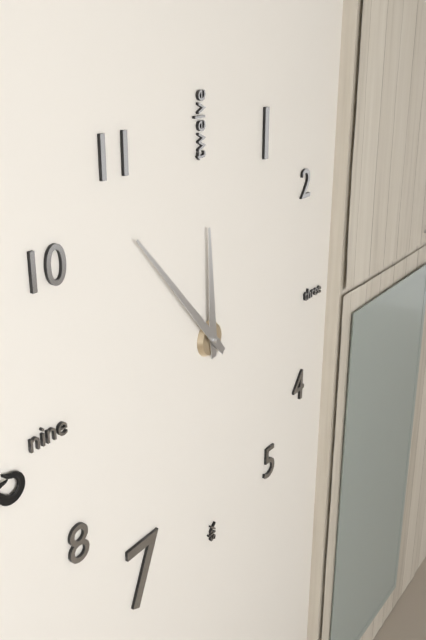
h=11 m=53
